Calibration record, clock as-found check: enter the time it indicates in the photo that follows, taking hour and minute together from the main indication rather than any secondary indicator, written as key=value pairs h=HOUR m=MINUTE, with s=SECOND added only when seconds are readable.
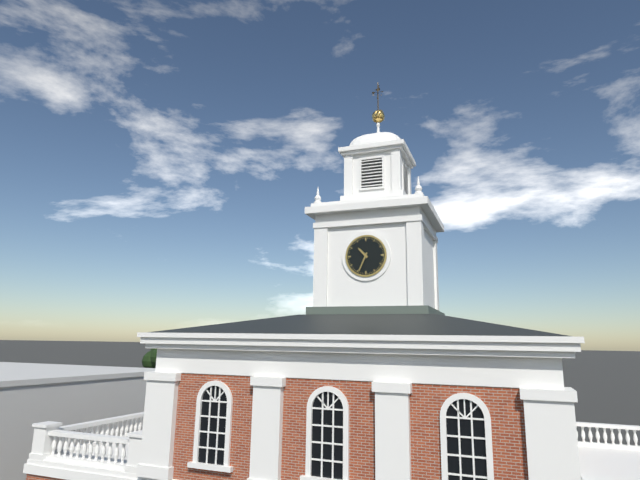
h=10 m=34
